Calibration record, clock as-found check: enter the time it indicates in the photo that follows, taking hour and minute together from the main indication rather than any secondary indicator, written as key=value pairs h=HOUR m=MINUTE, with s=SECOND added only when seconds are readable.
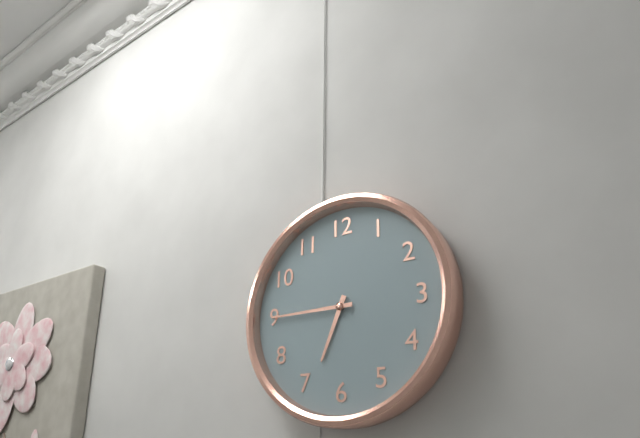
h=6 m=45
